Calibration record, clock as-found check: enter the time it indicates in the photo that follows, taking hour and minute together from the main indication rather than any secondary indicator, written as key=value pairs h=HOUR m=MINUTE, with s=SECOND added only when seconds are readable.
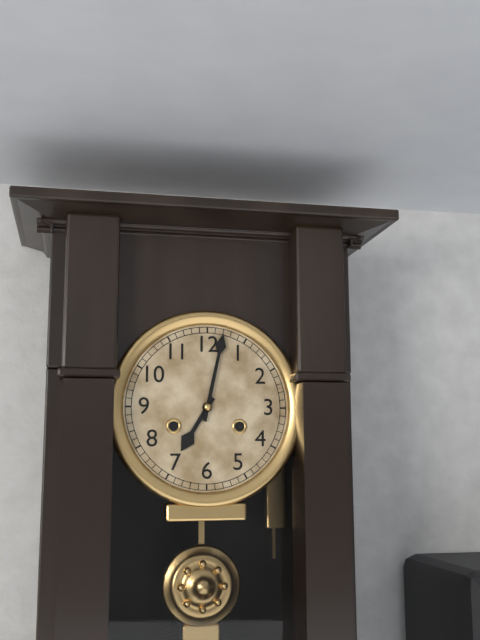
h=7 m=2
